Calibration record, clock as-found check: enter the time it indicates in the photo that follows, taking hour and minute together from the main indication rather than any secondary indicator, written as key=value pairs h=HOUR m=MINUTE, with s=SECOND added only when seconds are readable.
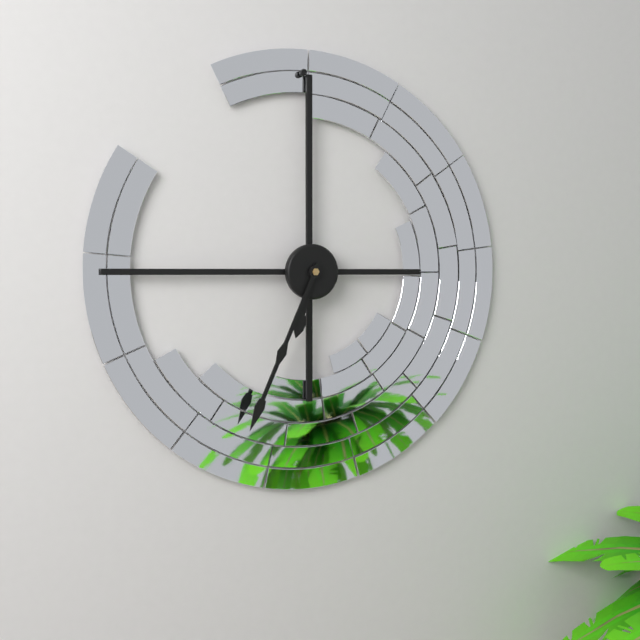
h=6 m=34
